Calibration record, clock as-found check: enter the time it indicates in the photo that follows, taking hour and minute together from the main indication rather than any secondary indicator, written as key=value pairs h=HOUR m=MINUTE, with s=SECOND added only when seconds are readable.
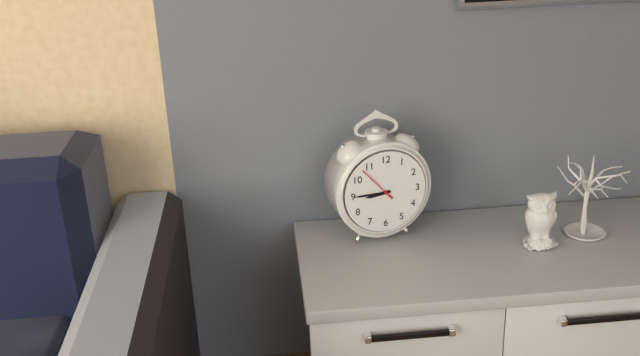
h=8 m=45
